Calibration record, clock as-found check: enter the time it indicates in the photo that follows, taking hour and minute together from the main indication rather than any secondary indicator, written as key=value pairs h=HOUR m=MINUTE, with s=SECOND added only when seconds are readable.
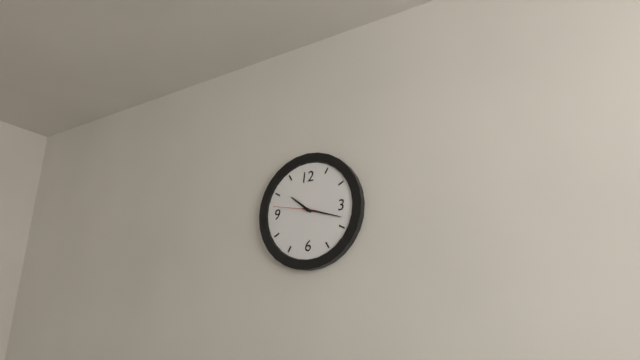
h=10 m=18
